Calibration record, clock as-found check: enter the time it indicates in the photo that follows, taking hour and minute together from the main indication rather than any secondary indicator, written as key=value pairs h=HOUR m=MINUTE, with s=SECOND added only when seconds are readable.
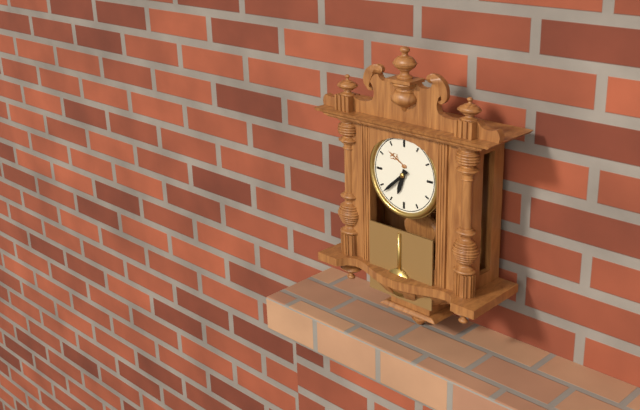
h=6 m=38
